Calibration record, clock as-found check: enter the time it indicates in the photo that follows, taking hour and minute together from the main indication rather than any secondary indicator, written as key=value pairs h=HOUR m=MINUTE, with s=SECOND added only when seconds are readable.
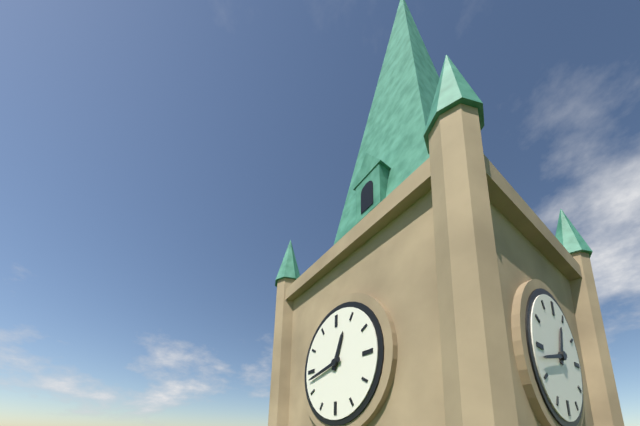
h=12 m=43
